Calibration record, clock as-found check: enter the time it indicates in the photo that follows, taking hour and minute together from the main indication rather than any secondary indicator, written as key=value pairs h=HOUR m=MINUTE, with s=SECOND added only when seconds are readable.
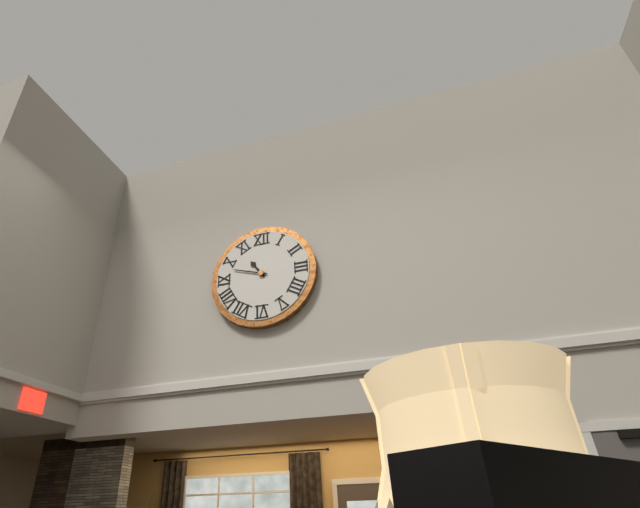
h=10 m=48
